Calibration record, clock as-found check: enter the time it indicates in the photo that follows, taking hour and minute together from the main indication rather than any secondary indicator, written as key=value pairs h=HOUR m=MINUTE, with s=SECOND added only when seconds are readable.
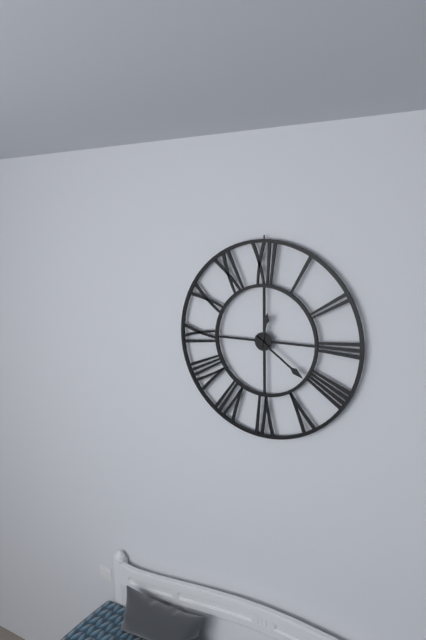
h=12 m=21
